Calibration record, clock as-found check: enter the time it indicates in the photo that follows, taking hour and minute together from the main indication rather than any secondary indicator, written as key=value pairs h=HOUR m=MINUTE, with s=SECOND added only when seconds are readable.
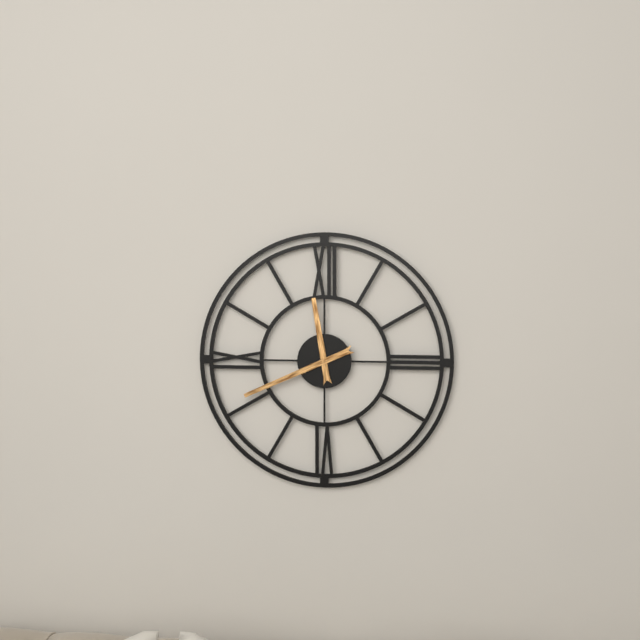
h=11 m=41
